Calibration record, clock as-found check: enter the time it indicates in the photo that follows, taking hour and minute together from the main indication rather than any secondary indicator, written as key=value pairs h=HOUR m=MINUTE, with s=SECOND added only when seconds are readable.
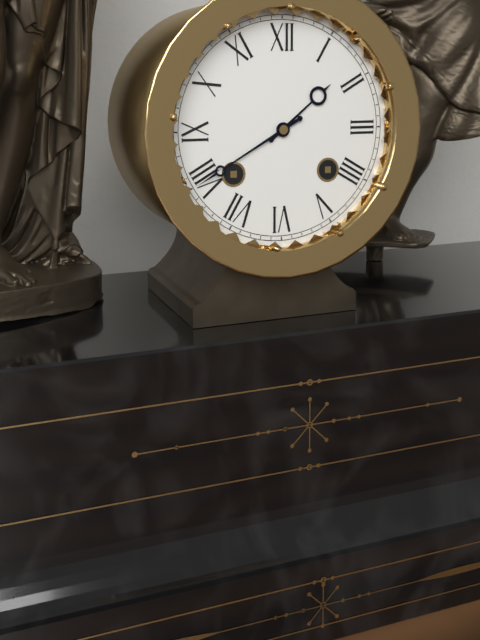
h=1 m=40
